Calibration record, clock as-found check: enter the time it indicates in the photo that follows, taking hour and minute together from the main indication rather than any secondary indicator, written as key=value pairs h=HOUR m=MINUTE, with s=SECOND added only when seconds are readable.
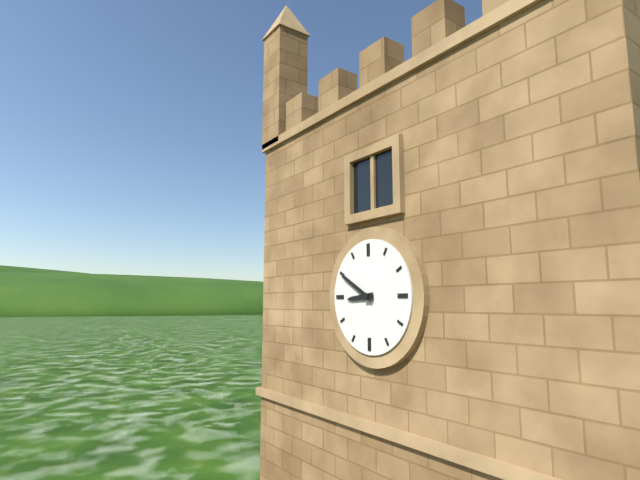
h=8 m=50
